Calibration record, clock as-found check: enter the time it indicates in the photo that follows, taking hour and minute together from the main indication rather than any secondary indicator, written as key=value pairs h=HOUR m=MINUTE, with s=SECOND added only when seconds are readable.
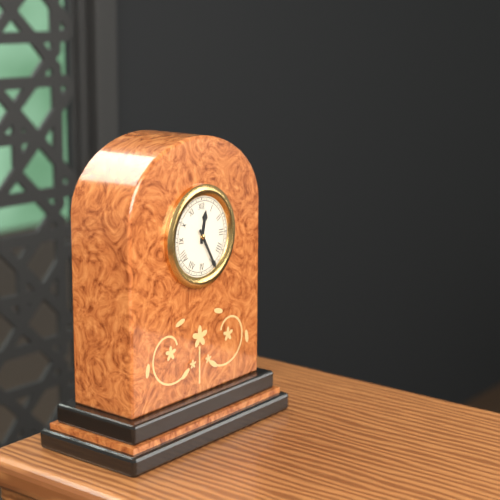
h=12 m=25
